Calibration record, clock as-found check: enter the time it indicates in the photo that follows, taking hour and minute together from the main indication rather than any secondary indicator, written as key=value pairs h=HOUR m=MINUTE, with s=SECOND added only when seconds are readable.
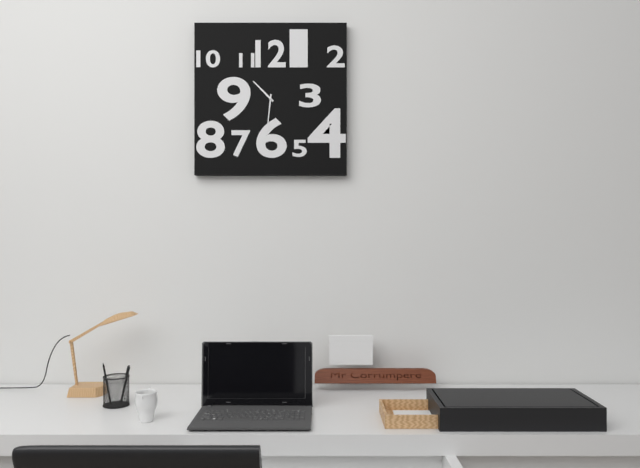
h=10 m=31
